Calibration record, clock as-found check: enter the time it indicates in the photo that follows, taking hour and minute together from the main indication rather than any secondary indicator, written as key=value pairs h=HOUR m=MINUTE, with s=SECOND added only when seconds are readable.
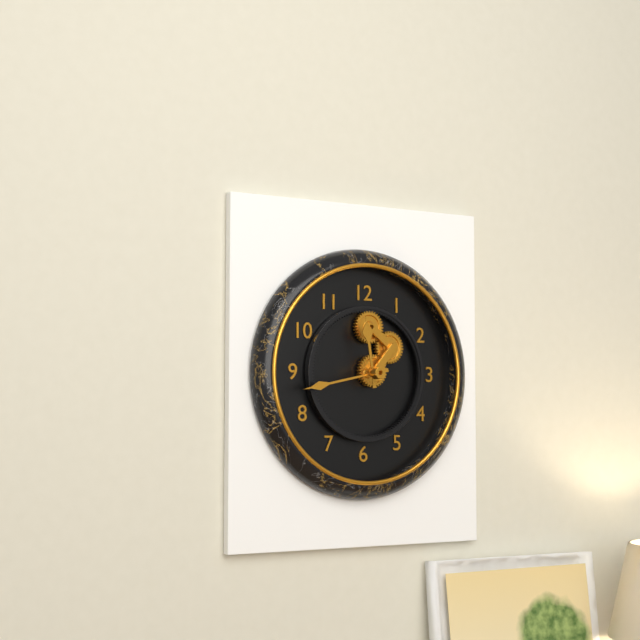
h=11 m=43
